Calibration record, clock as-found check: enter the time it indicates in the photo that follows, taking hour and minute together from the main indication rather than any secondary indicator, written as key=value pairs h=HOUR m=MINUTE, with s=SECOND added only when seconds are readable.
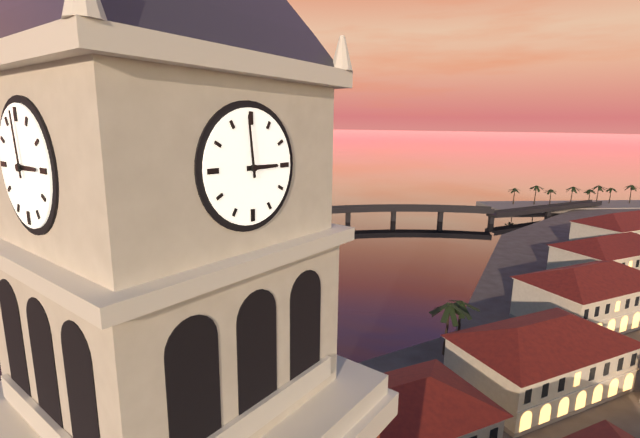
h=2 m=59
